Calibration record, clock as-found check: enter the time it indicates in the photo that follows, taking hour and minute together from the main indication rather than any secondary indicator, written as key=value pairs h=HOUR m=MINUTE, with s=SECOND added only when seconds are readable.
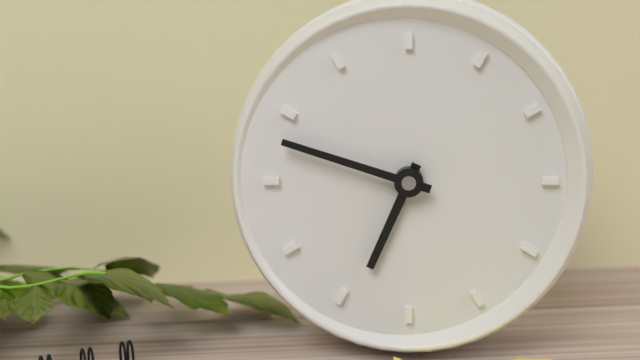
h=6 m=48
